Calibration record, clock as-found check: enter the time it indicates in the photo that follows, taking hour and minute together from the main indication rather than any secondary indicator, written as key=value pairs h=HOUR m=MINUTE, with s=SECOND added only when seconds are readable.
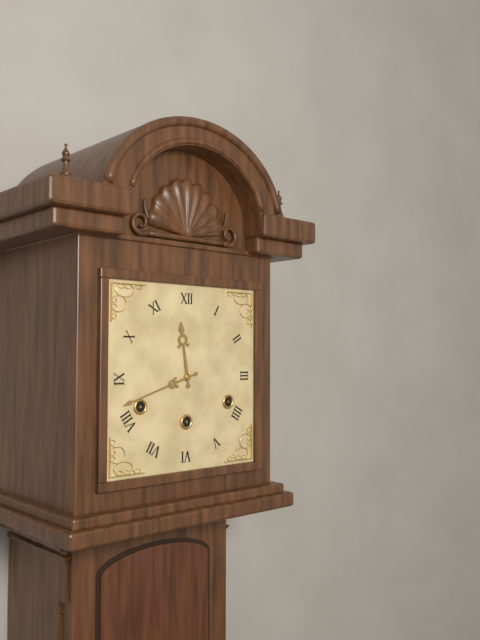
h=11 m=42
